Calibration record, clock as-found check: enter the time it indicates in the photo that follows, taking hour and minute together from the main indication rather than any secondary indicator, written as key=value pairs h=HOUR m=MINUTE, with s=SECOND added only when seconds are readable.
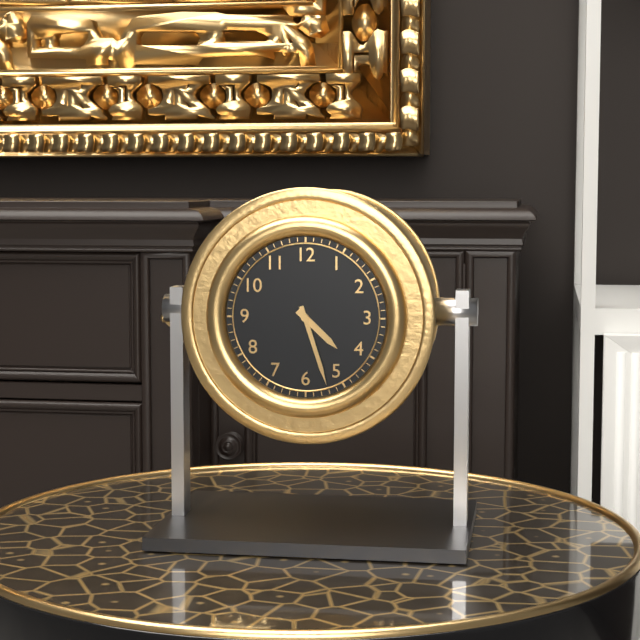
h=4 m=27
